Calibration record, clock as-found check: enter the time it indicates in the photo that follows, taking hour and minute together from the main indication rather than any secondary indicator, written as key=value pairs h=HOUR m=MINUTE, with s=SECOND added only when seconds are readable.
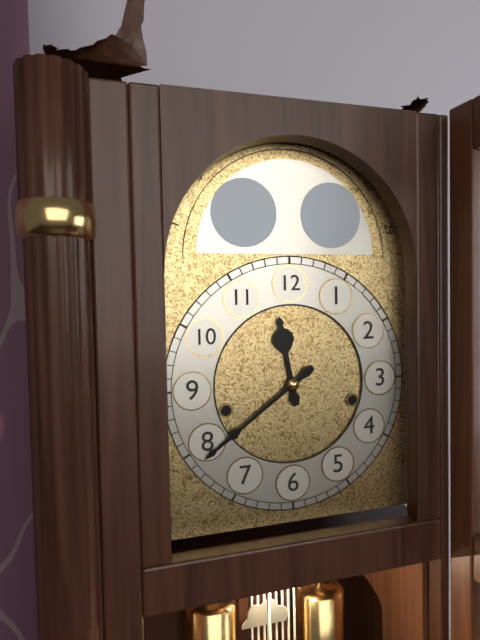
h=11 m=39
